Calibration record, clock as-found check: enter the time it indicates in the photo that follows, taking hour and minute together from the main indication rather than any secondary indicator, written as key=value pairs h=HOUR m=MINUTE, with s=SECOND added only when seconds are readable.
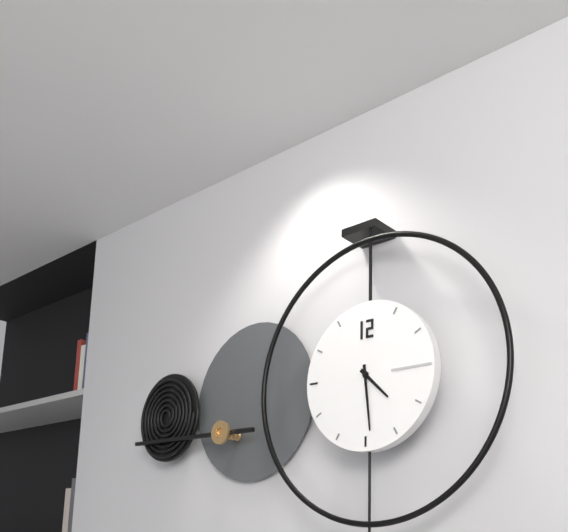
h=4 m=29
